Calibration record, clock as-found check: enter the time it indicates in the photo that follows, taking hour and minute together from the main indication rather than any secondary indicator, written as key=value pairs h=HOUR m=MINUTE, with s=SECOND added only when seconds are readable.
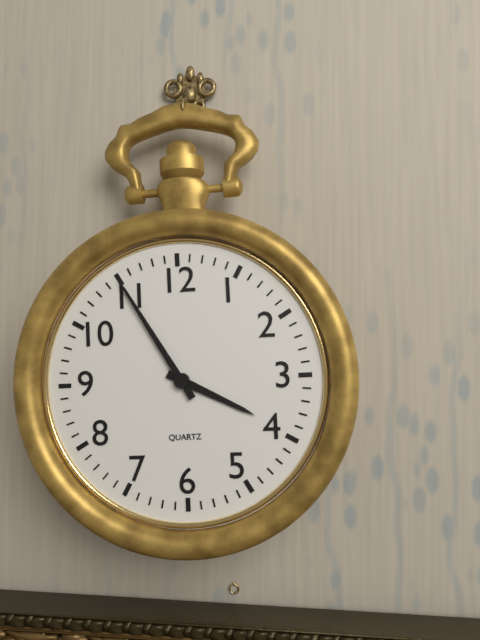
h=3 m=55
